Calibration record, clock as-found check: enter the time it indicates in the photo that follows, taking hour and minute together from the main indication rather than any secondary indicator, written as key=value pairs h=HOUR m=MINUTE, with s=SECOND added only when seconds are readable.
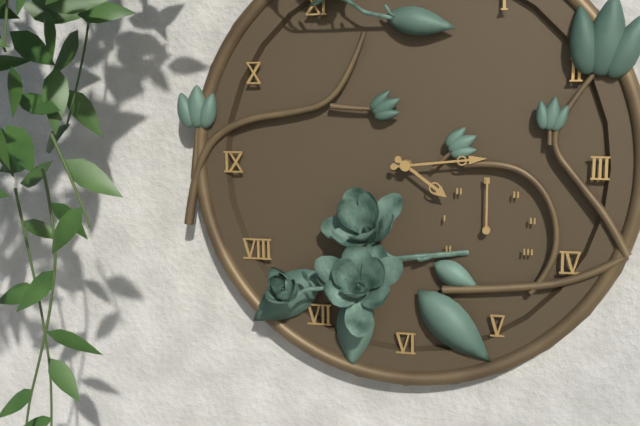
h=4 m=14
